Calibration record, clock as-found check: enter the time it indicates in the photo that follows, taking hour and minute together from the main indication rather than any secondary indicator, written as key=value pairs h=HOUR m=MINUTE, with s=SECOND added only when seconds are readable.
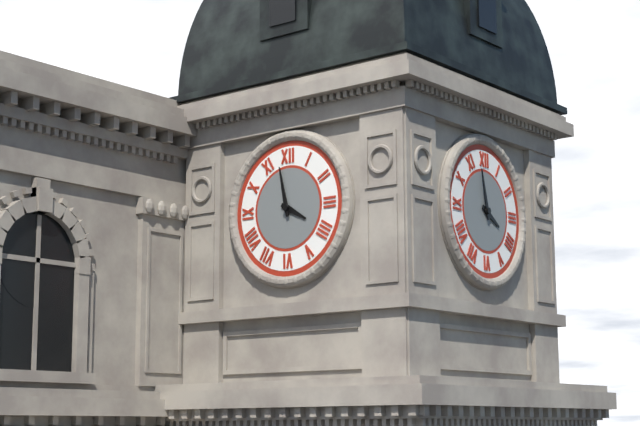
h=3 m=58
